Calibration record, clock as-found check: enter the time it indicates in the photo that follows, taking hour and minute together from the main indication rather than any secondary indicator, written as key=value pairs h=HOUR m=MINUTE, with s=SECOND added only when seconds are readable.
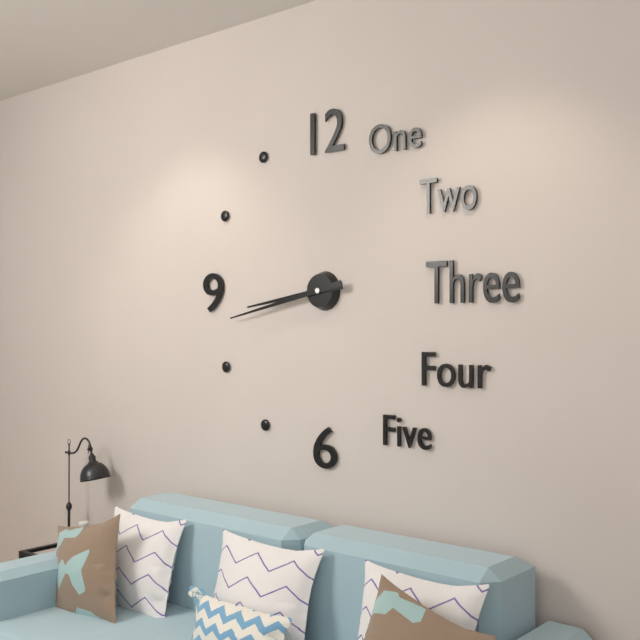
h=8 m=43
